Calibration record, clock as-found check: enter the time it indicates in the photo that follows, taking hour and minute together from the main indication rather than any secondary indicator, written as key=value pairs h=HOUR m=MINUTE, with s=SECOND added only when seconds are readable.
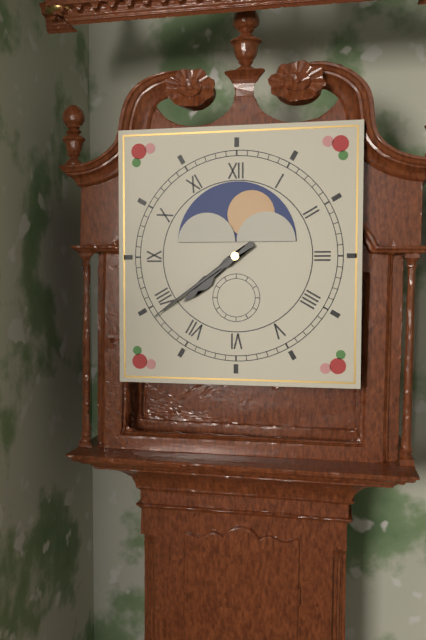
h=7 m=39
